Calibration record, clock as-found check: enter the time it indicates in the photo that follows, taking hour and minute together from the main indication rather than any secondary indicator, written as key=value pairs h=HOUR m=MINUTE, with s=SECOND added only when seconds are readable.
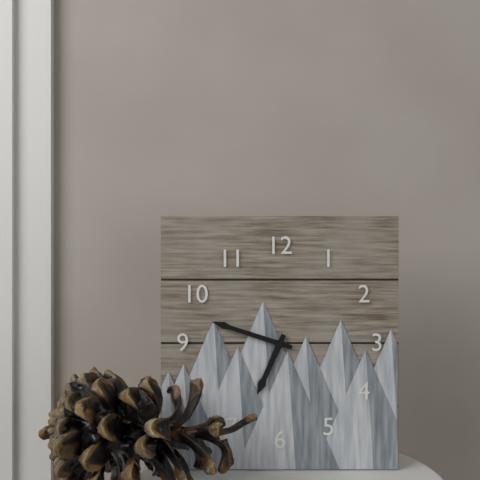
h=6 m=48
